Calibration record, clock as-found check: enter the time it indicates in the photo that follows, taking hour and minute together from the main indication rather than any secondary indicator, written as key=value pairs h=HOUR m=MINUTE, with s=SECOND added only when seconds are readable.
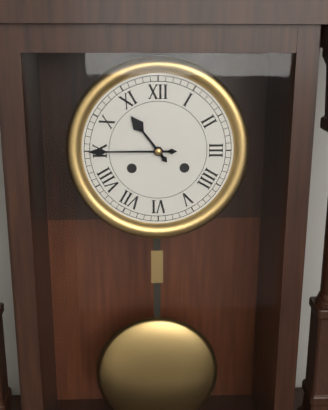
h=10 m=45
